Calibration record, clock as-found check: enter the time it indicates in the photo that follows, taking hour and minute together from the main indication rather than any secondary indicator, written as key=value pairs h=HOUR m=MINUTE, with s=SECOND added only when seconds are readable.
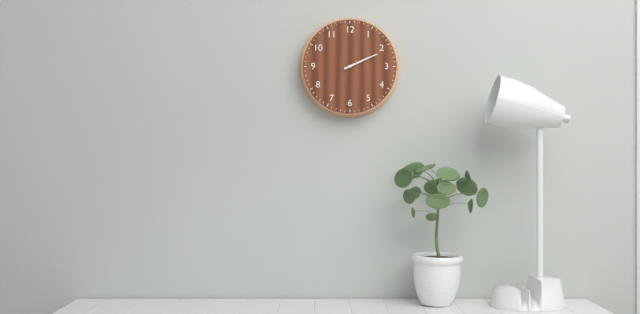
h=2 m=11
